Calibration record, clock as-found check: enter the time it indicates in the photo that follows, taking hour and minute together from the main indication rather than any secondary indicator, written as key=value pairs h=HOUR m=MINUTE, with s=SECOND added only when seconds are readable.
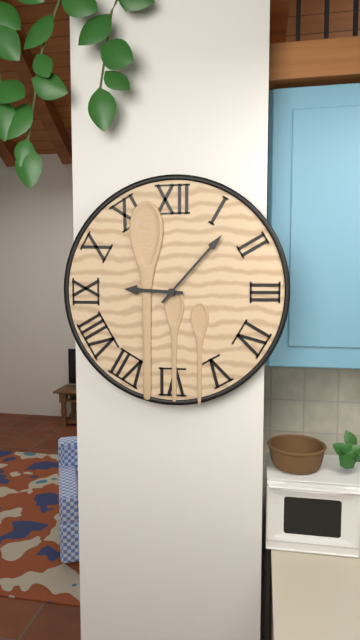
h=9 m=7
